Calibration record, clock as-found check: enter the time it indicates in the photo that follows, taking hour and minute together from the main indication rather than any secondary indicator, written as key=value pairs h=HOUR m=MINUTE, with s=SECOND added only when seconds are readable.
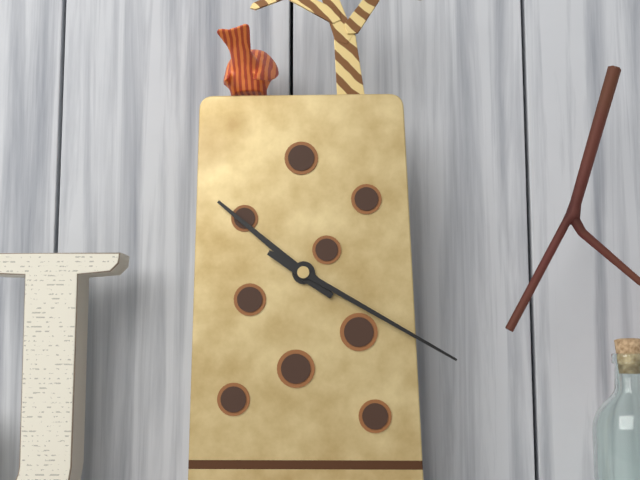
h=10 m=20
